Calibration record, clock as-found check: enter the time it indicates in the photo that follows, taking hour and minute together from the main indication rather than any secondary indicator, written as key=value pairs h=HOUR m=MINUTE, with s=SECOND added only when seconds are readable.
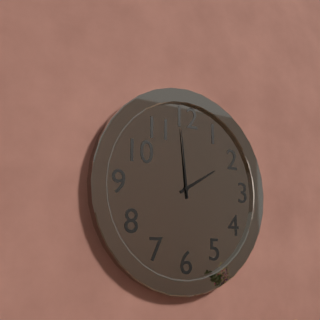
h=1 m=59
